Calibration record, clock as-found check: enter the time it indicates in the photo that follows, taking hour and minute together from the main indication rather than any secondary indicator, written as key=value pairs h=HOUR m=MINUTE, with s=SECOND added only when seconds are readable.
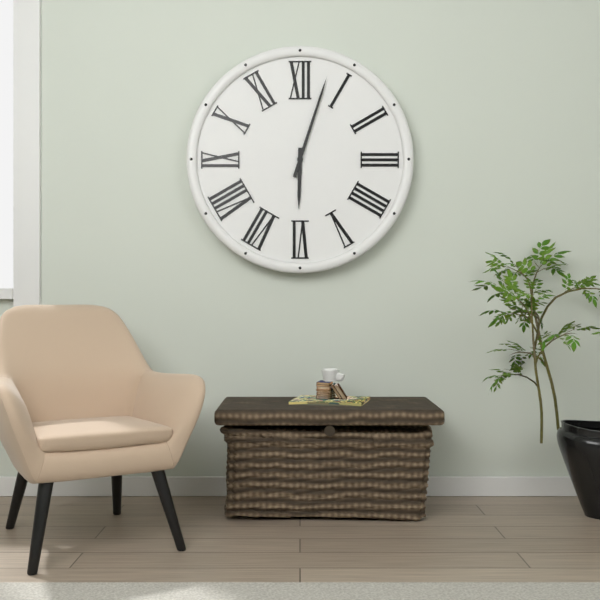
h=6 m=3
